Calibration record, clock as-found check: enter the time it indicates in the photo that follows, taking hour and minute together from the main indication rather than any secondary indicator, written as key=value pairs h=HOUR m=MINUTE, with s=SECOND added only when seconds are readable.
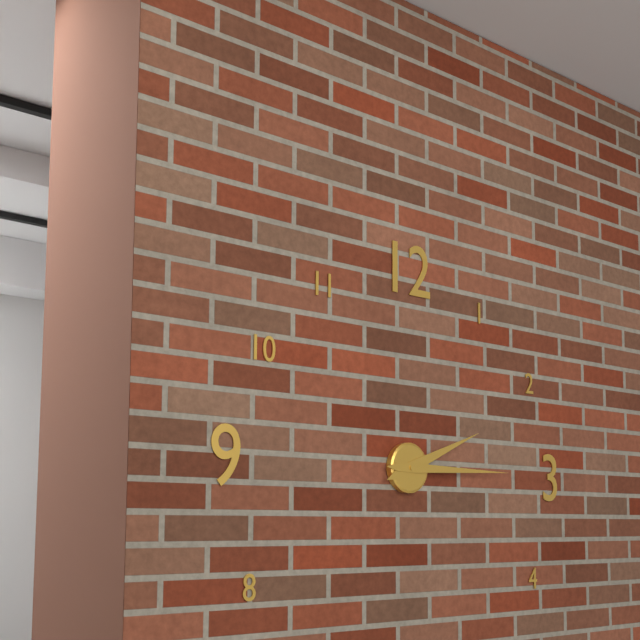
h=2 m=15
